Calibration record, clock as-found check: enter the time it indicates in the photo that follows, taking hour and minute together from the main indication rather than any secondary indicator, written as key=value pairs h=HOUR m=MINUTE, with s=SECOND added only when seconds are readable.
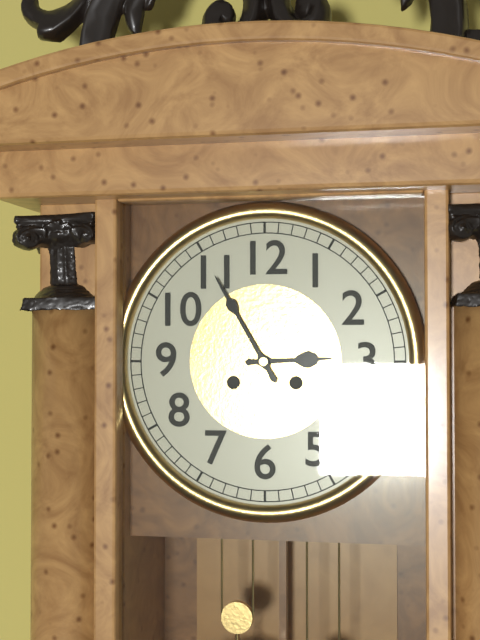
h=2 m=55
